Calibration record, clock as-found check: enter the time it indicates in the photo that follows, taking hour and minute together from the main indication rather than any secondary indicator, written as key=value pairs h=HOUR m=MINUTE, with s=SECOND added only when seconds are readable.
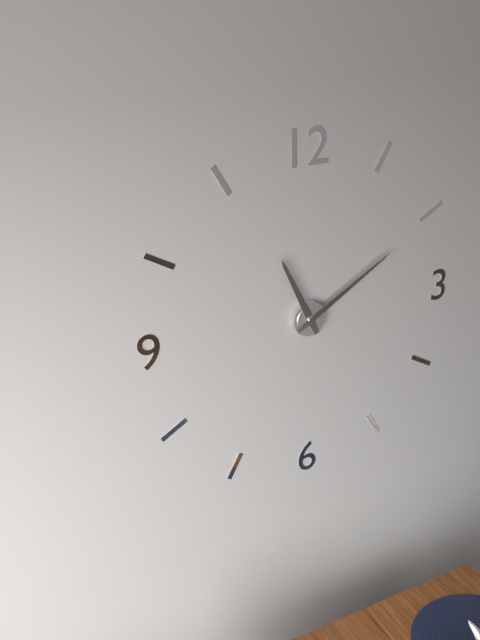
h=11 m=10
